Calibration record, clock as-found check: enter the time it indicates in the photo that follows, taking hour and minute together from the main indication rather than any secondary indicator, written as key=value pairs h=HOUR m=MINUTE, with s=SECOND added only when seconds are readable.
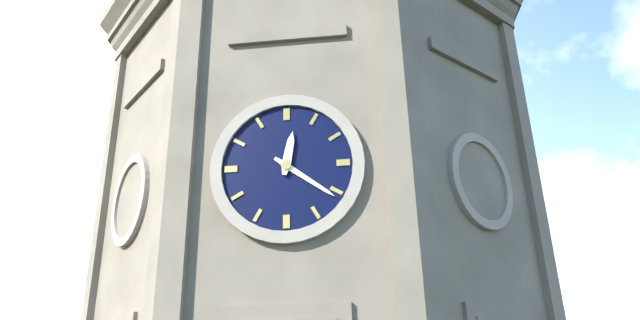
h=12 m=21
